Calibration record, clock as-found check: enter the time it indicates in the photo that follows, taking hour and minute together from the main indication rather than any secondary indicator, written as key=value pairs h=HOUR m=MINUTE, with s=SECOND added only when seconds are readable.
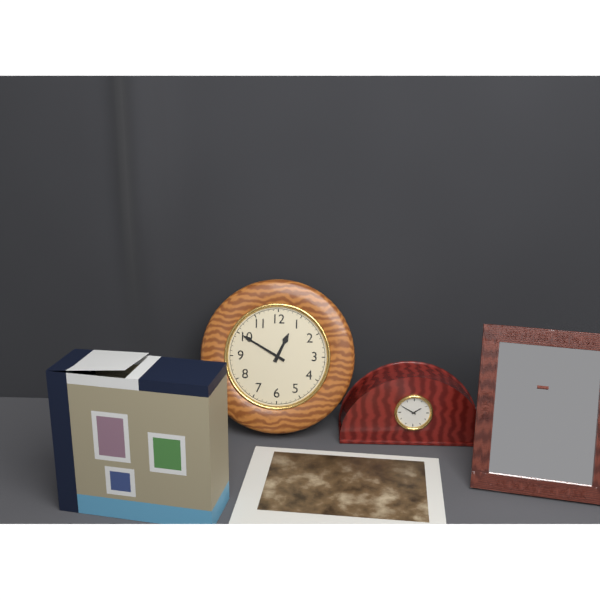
h=12 m=50
